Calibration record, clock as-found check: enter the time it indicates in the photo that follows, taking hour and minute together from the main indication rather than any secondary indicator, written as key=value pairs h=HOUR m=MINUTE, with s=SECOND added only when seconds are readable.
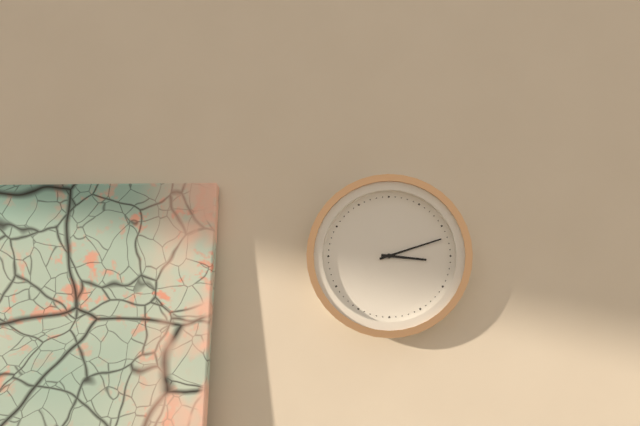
h=3 m=12
